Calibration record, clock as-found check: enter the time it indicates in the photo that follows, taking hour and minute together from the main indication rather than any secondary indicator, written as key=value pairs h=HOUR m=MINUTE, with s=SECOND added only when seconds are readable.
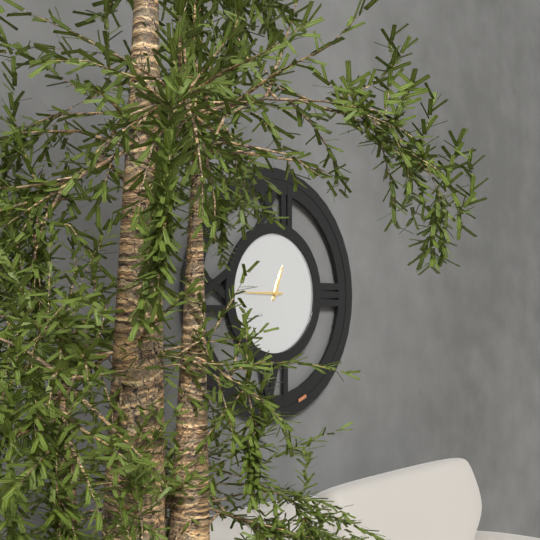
h=12 m=45
